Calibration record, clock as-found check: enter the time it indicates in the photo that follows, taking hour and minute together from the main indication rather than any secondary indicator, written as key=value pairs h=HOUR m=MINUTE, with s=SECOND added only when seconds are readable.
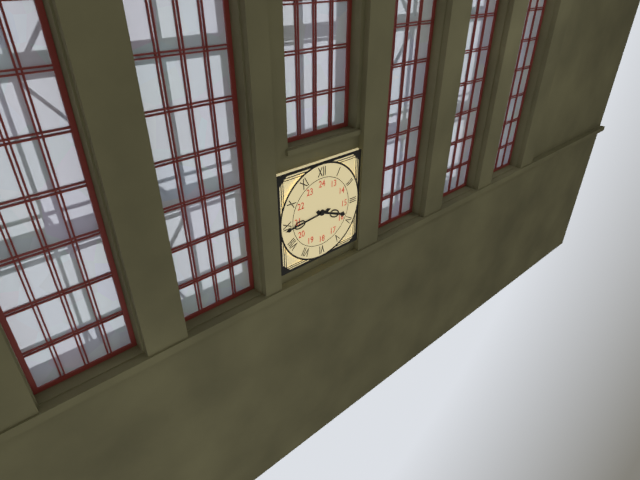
h=3 m=44
